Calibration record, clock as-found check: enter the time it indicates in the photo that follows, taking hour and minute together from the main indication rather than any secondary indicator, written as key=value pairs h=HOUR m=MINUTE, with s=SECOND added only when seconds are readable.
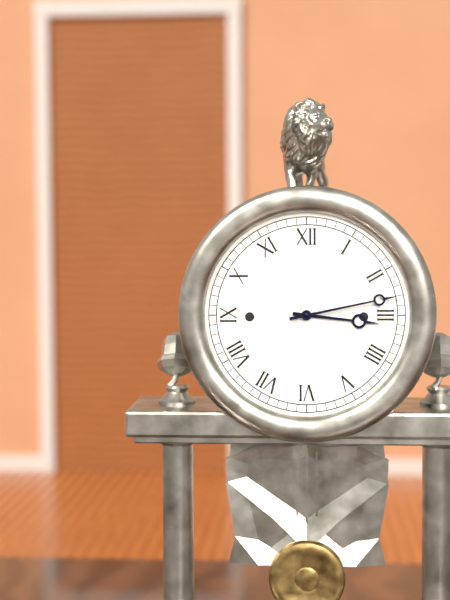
h=3 m=13
